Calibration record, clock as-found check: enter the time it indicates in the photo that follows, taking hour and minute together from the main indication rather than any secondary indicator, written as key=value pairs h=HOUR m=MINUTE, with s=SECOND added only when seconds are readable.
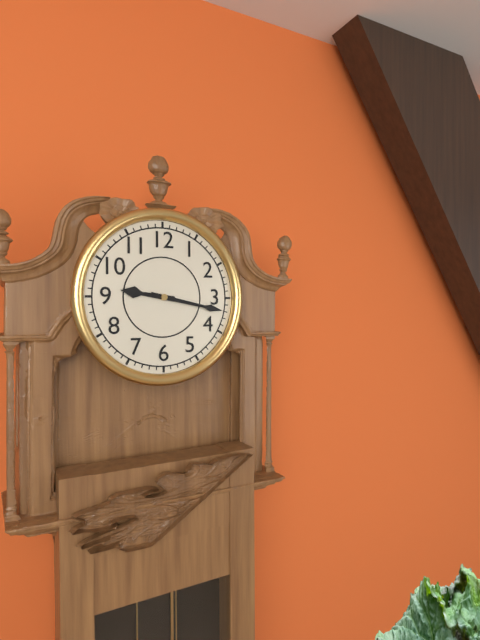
h=9 m=17
